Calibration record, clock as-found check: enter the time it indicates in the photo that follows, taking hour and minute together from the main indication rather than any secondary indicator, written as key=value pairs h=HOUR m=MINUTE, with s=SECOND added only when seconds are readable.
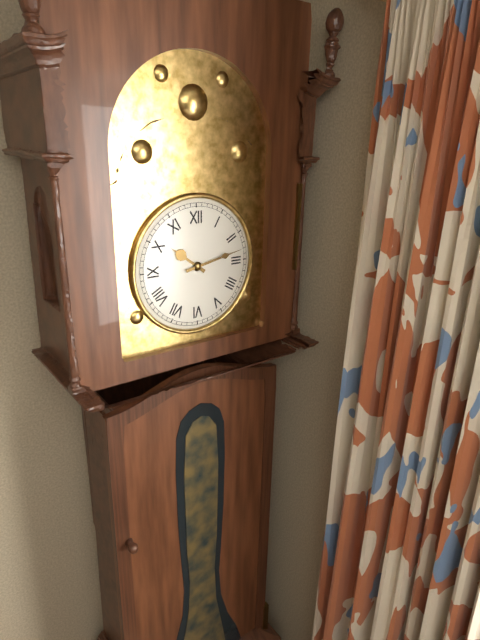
h=10 m=13
